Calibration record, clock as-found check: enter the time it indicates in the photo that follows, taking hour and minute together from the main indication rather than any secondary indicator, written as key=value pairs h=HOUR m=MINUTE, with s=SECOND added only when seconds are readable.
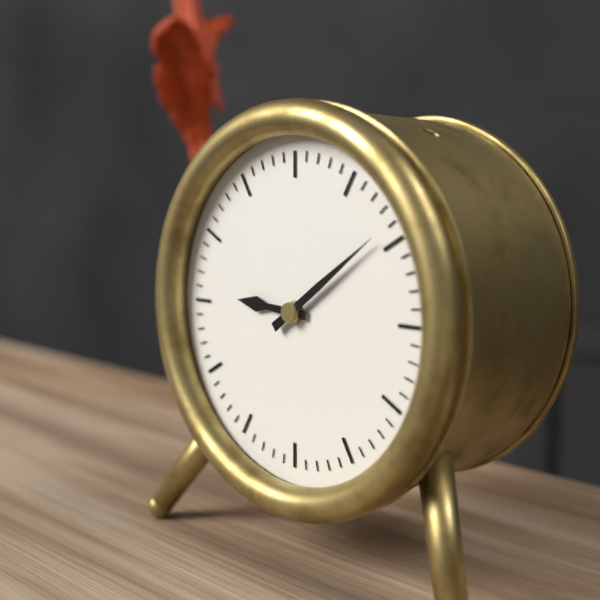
h=9 m=9
